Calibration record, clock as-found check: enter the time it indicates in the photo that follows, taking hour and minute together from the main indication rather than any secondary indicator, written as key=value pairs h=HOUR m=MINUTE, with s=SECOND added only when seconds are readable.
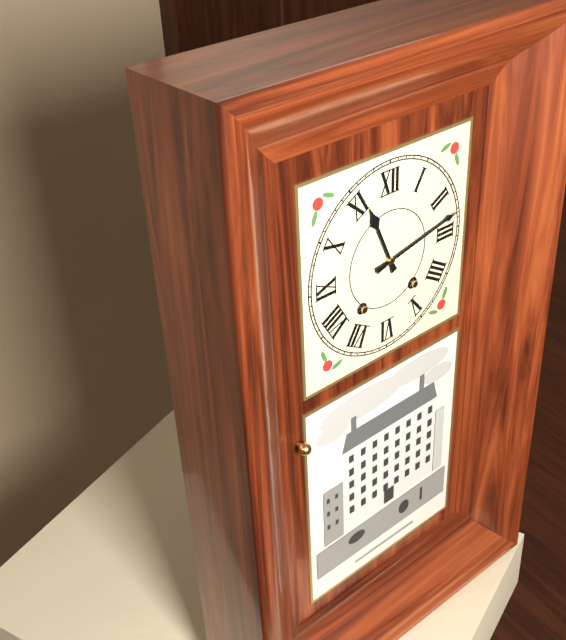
h=11 m=13
